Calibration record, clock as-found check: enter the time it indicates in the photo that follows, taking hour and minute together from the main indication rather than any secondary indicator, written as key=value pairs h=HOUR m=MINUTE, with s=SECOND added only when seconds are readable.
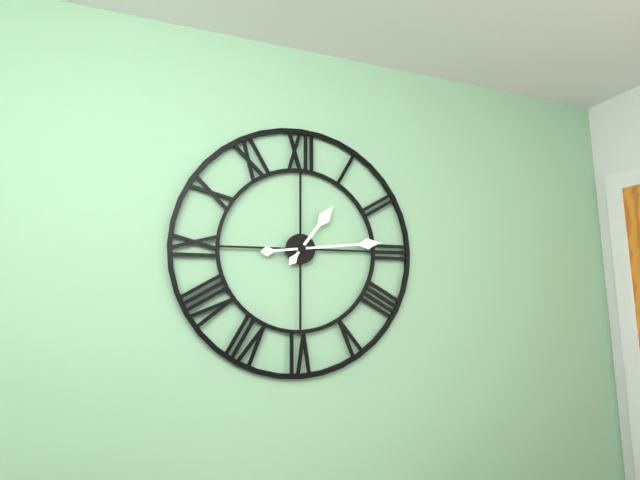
h=1 m=14
